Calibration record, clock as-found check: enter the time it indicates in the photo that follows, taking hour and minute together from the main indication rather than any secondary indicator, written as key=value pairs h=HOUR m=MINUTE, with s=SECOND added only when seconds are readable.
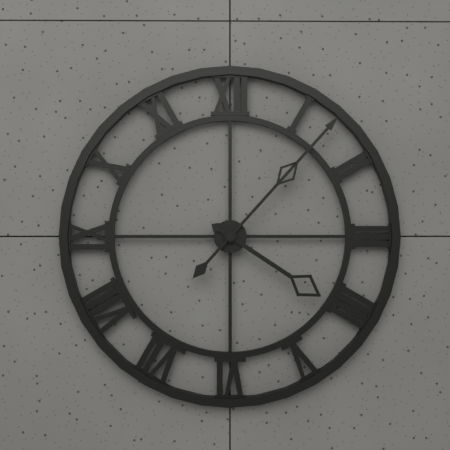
h=4 m=7
